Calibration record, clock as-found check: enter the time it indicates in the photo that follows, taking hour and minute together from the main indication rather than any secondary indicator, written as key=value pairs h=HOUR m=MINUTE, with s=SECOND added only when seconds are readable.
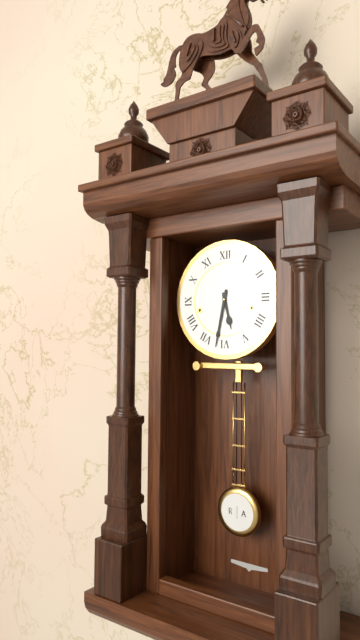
h=5 m=32
